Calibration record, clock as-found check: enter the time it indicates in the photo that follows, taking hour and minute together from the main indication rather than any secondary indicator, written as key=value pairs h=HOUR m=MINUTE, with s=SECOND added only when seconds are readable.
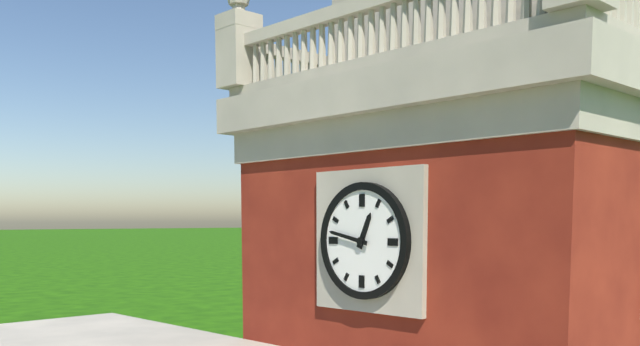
h=12 m=47
